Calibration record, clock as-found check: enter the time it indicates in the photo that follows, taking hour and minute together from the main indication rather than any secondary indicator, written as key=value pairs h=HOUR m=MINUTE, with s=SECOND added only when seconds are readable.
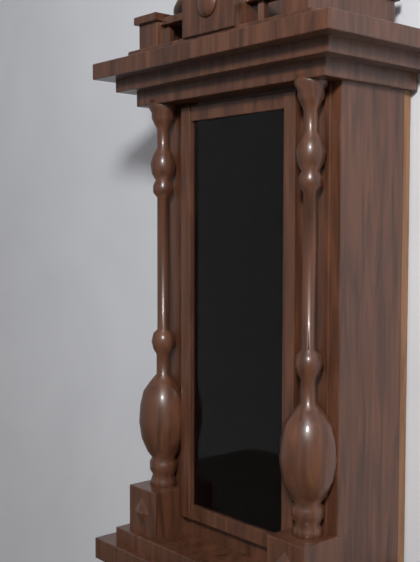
h=2 m=44
